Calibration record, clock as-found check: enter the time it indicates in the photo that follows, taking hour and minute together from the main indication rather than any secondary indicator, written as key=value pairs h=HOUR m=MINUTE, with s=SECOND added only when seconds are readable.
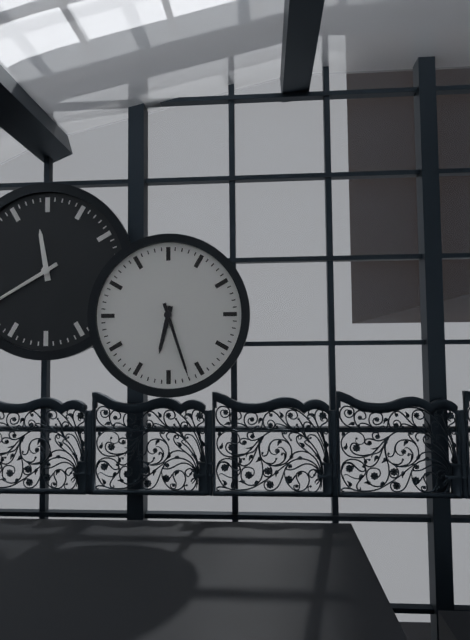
h=6 m=27
